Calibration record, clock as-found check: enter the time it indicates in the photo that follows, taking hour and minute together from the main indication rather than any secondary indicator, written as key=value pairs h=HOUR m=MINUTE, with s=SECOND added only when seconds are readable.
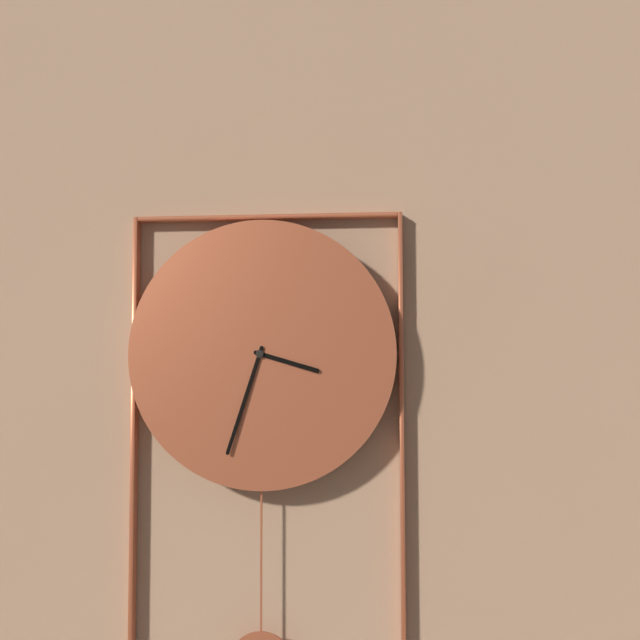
h=3 m=33
